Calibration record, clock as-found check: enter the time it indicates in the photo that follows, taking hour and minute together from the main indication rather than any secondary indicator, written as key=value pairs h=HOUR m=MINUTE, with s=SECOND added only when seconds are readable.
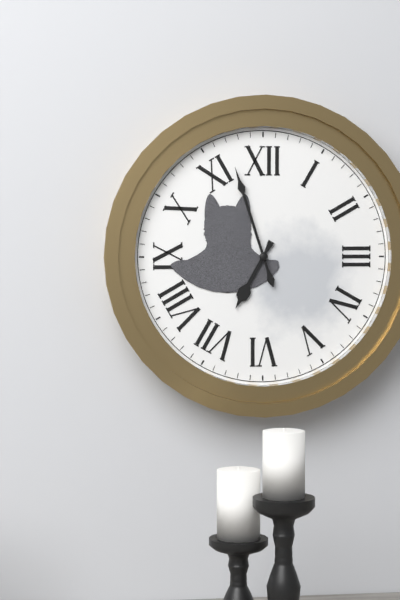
h=6 m=57
